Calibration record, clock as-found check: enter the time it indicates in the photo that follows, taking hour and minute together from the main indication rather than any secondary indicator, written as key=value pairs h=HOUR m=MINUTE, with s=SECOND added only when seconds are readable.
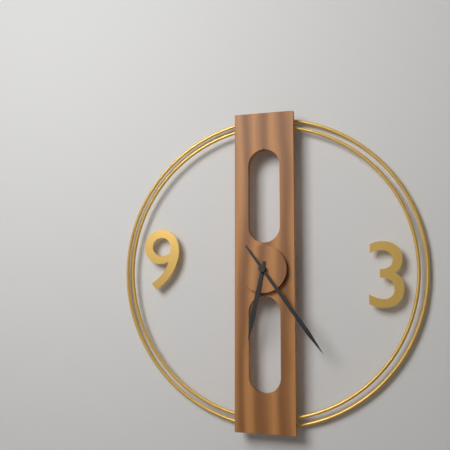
h=6 m=24
